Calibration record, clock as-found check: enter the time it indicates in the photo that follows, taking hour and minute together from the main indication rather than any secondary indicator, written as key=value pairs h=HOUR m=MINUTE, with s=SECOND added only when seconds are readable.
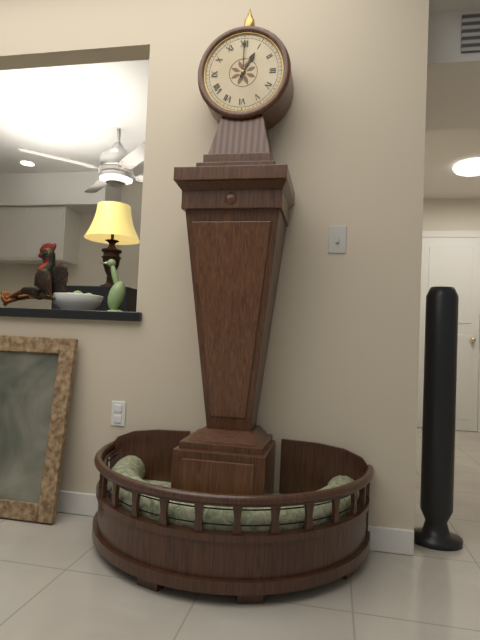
h=1 m=0
